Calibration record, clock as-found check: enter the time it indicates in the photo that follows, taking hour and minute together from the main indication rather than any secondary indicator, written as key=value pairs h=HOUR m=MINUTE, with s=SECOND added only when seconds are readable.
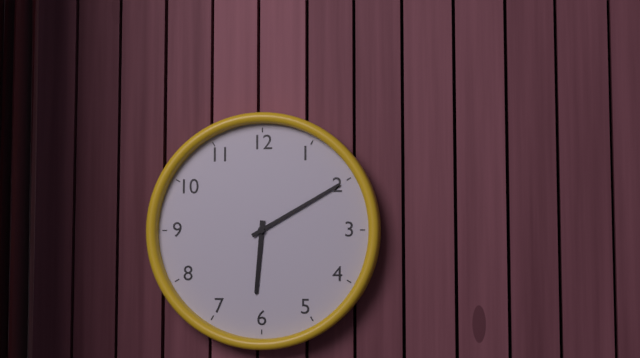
h=6 m=10
